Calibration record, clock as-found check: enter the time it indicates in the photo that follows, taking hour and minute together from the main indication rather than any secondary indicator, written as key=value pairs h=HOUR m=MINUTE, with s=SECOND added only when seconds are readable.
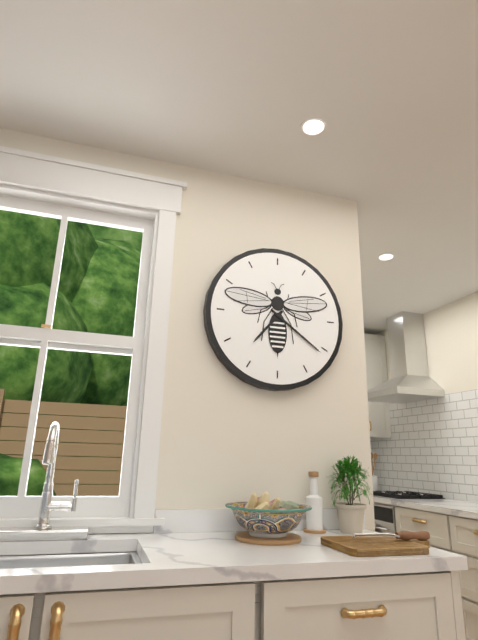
h=7 m=21
